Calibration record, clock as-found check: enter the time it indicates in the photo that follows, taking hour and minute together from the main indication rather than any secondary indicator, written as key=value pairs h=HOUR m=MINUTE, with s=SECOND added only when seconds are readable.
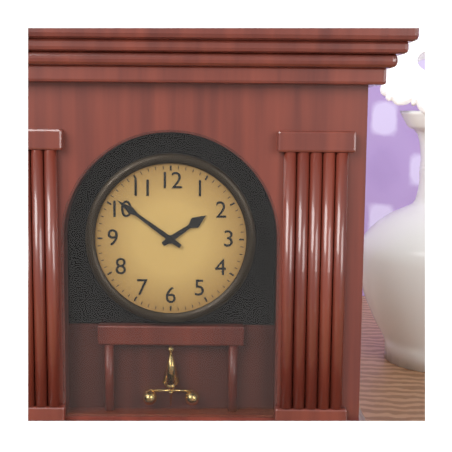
h=1 m=51
